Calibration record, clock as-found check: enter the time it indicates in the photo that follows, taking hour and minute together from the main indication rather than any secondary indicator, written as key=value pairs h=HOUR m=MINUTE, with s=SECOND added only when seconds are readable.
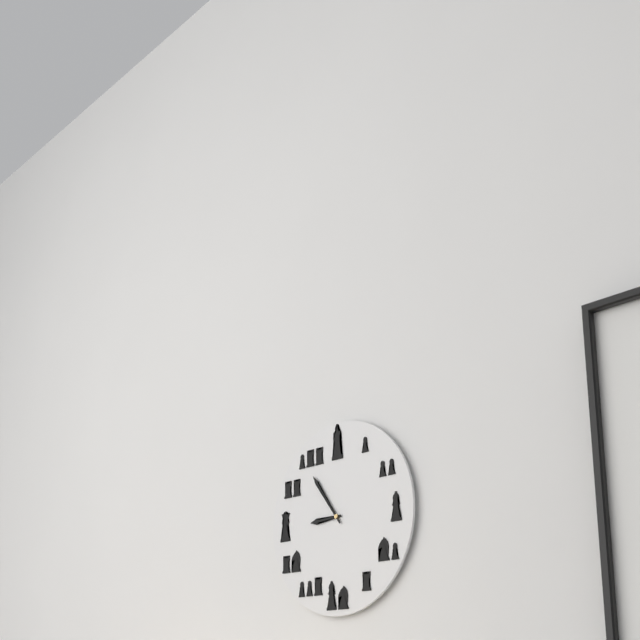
h=8 m=54
